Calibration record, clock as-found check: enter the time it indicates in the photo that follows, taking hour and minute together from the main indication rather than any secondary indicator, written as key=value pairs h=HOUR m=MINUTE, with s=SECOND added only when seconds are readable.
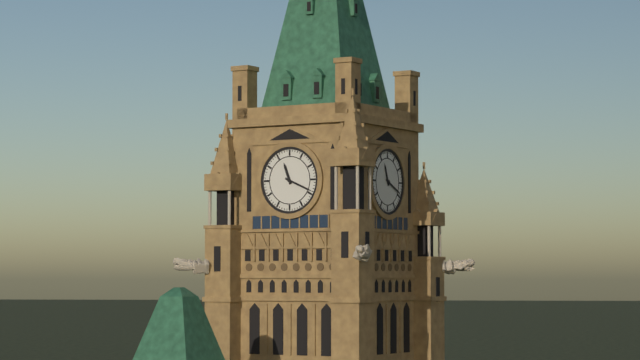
h=11 m=19
